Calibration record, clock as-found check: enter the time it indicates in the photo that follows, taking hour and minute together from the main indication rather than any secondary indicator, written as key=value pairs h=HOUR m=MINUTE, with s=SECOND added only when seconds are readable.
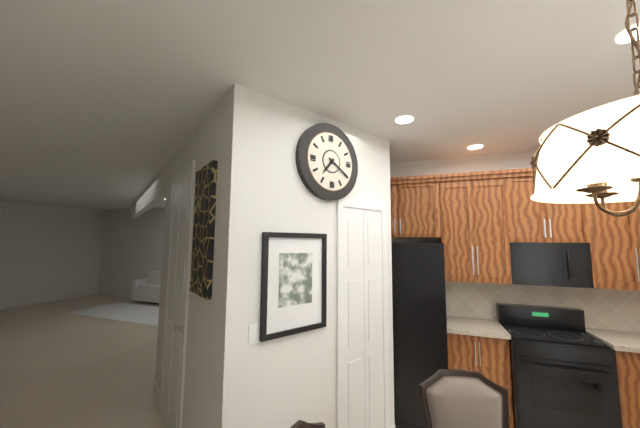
h=7 m=20
